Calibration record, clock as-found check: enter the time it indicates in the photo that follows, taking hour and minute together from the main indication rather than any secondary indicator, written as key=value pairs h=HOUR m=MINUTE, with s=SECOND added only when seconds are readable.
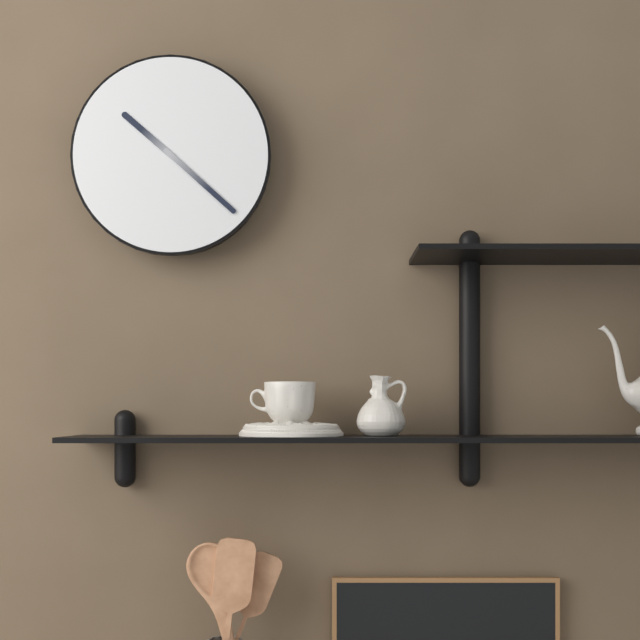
h=10 m=22
